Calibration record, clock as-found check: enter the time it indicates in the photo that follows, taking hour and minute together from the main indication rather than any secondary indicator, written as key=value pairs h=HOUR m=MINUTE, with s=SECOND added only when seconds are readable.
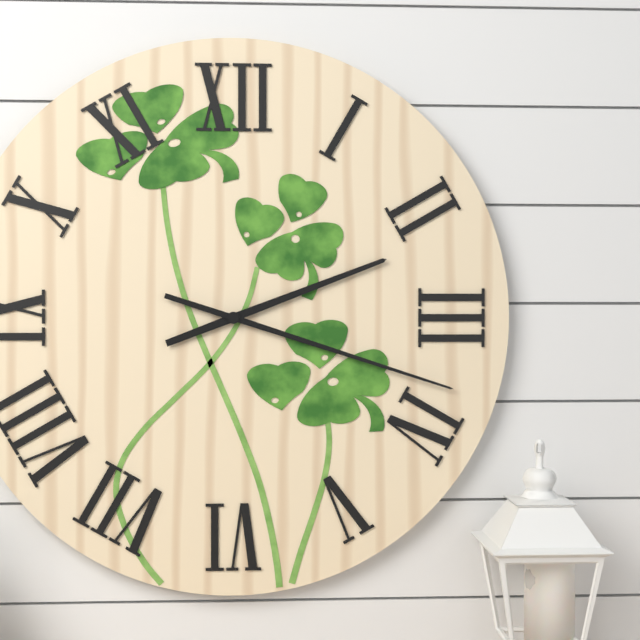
h=2 m=18
